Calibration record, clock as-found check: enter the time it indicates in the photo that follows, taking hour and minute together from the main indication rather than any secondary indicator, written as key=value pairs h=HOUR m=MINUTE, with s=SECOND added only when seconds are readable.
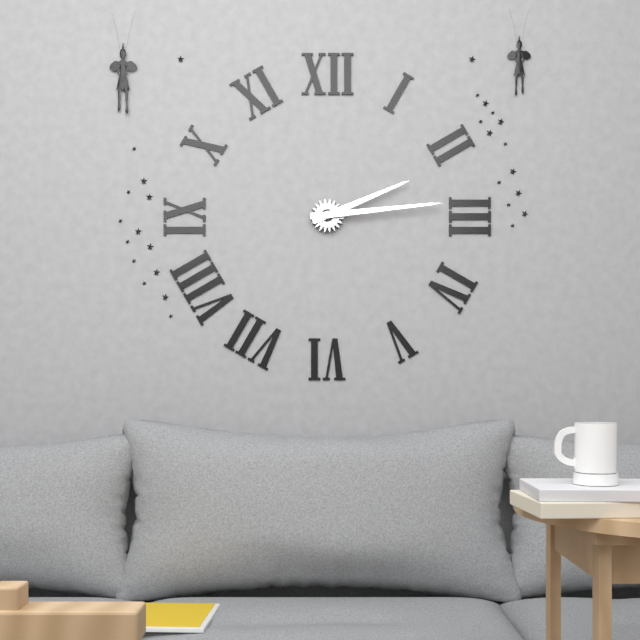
h=2 m=14
